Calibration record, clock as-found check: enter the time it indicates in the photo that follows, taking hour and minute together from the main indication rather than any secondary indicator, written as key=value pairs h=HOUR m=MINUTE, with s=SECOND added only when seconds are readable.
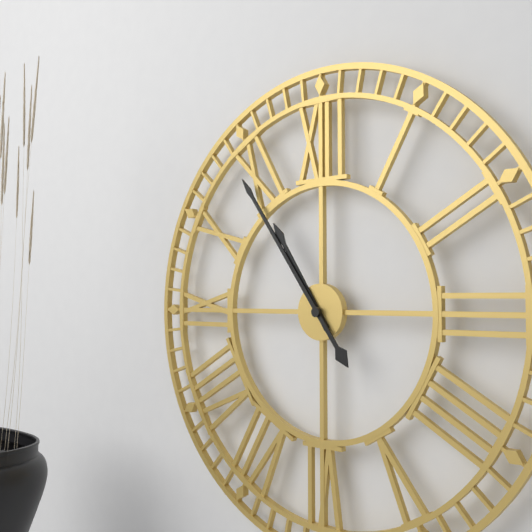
h=10 m=54
